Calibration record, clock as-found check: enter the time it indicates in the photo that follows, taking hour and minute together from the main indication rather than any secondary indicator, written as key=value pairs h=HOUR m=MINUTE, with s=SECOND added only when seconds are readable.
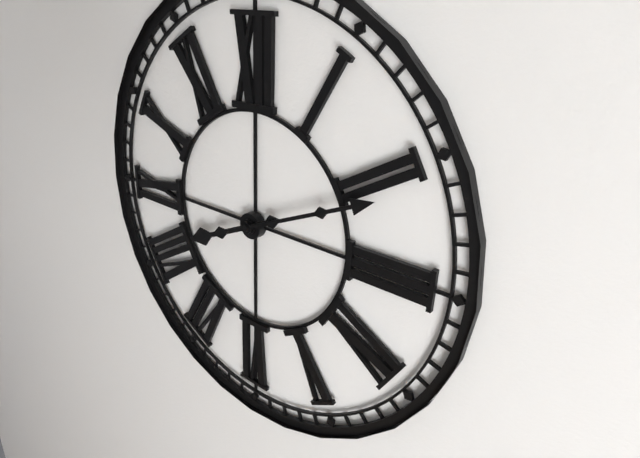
h=8 m=11
